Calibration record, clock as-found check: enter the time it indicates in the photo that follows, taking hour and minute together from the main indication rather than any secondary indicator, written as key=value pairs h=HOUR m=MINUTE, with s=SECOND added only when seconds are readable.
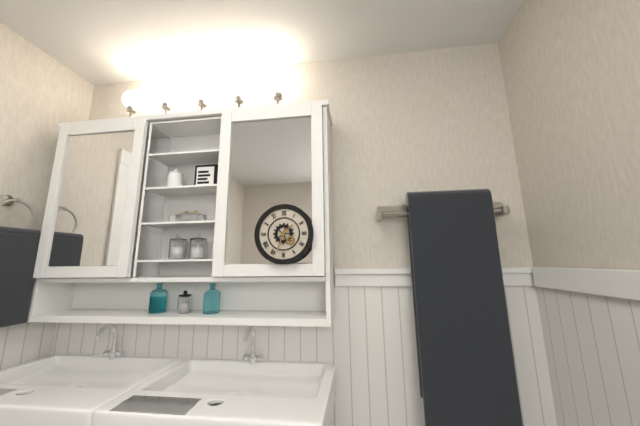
h=1 m=33
